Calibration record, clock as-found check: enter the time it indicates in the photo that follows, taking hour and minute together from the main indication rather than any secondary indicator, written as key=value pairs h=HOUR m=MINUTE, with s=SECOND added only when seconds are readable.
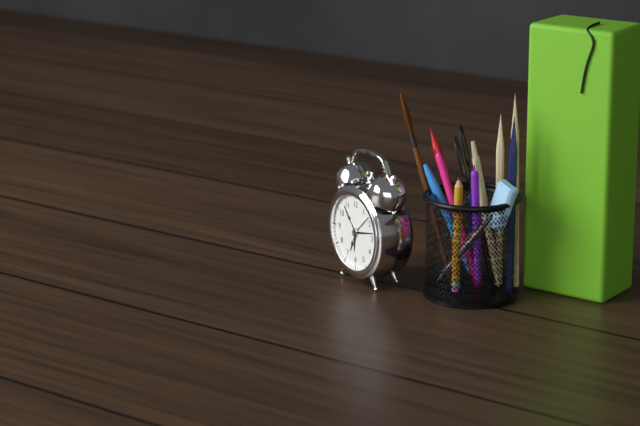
h=6 m=13
